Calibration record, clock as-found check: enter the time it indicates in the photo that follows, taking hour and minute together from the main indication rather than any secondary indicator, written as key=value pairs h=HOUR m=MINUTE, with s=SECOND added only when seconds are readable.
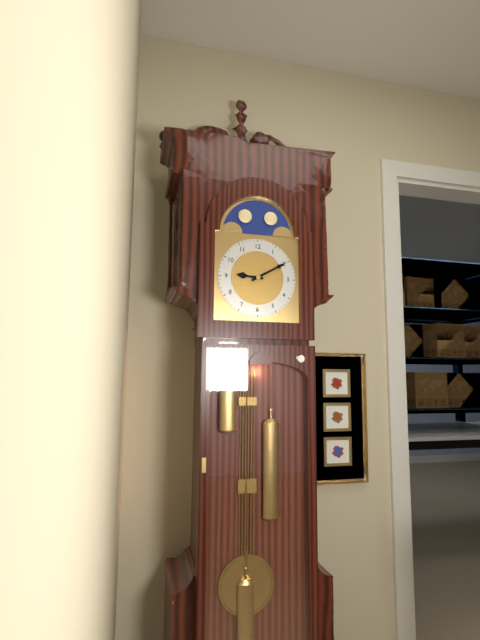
h=9 m=10
